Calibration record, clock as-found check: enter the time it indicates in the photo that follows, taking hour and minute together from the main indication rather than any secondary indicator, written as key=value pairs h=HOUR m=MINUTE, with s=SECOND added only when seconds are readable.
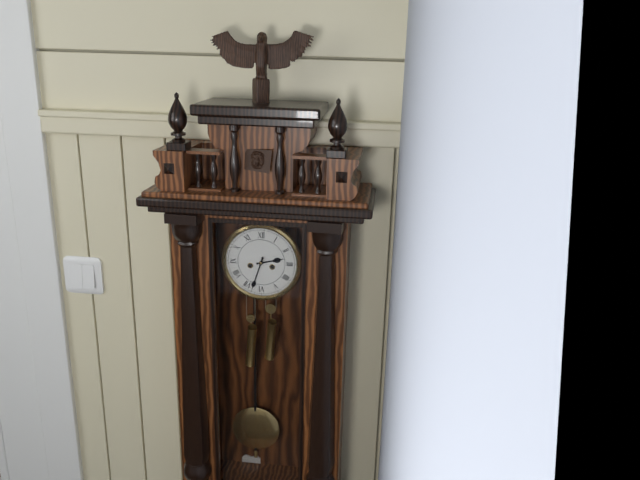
h=2 m=33
